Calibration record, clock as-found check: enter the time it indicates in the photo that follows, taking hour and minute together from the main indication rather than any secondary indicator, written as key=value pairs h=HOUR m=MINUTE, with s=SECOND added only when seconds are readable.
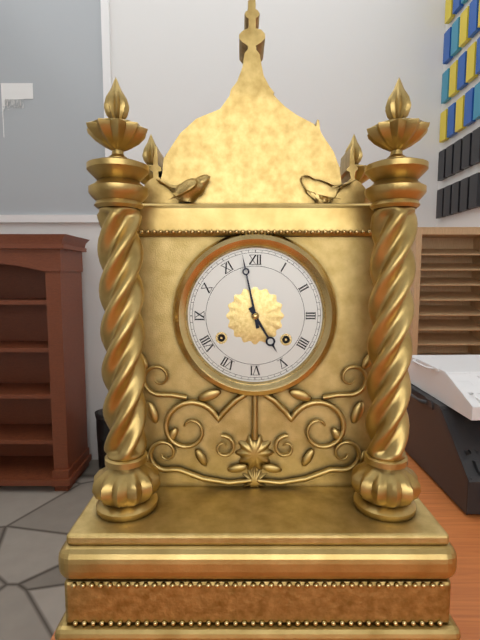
h=4 m=58
